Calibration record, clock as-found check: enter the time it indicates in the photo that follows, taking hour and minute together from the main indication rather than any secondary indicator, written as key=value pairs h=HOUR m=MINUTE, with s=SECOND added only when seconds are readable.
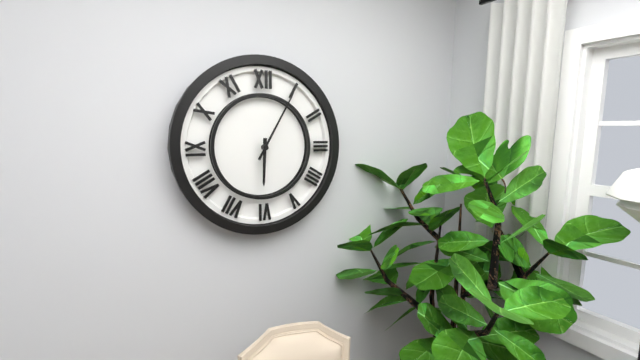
h=6 m=5
